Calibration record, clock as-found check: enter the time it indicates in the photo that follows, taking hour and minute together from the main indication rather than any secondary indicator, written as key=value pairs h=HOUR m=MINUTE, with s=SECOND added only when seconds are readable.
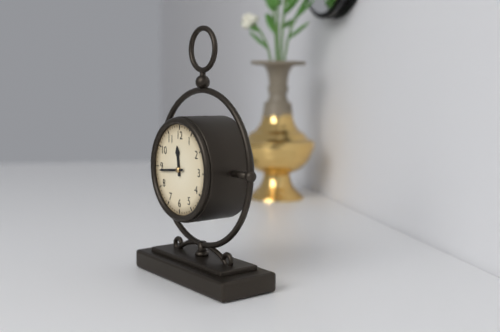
h=11 m=44
